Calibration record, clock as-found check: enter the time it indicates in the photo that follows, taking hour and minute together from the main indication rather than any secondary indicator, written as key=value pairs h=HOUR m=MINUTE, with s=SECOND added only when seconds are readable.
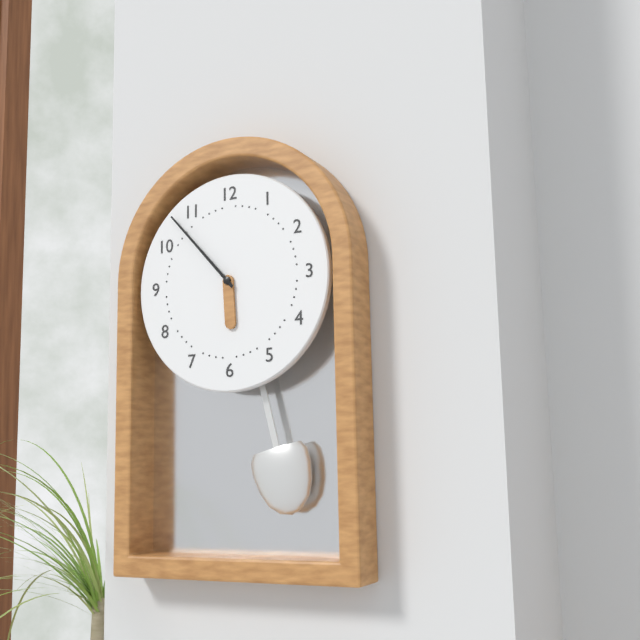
h=5 m=53
